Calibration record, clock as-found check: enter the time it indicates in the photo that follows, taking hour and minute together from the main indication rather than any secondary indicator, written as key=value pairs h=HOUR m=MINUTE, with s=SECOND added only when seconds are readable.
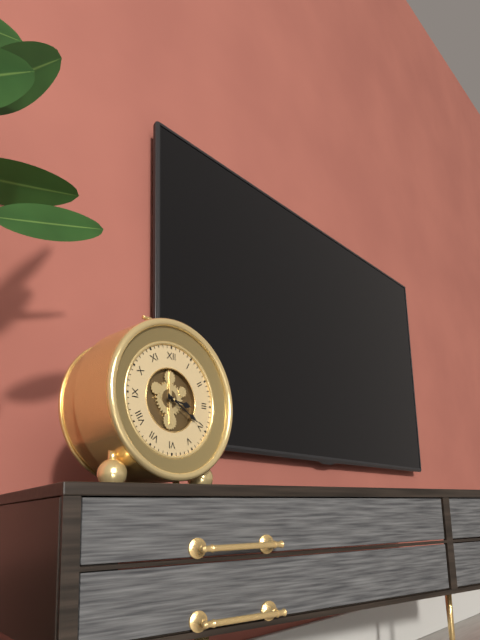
h=3 m=20
